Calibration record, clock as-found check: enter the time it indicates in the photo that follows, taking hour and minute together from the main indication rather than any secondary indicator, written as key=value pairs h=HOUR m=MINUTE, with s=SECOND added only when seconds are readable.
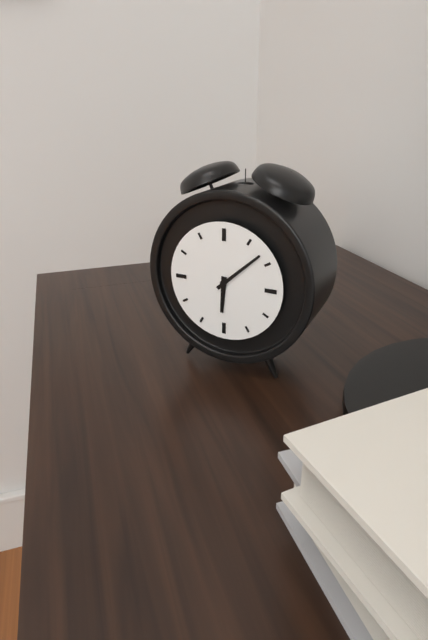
h=6 m=8
